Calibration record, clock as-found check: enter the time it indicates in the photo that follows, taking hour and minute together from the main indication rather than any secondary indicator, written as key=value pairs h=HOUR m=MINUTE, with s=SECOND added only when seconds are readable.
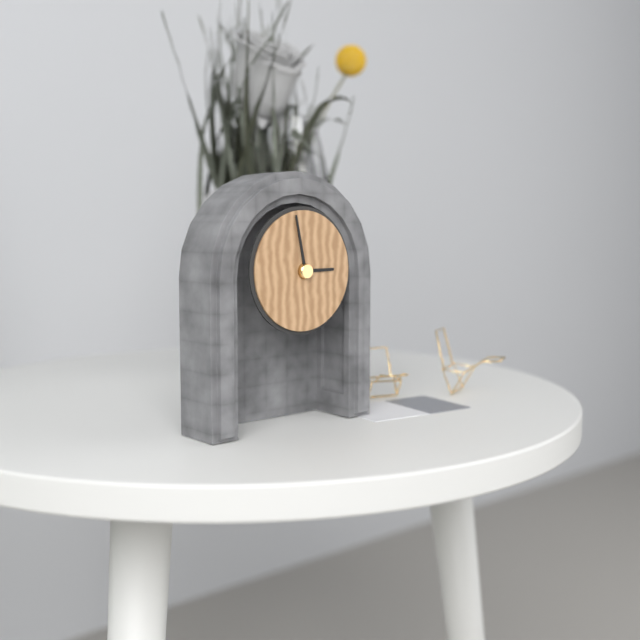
h=2 m=58
